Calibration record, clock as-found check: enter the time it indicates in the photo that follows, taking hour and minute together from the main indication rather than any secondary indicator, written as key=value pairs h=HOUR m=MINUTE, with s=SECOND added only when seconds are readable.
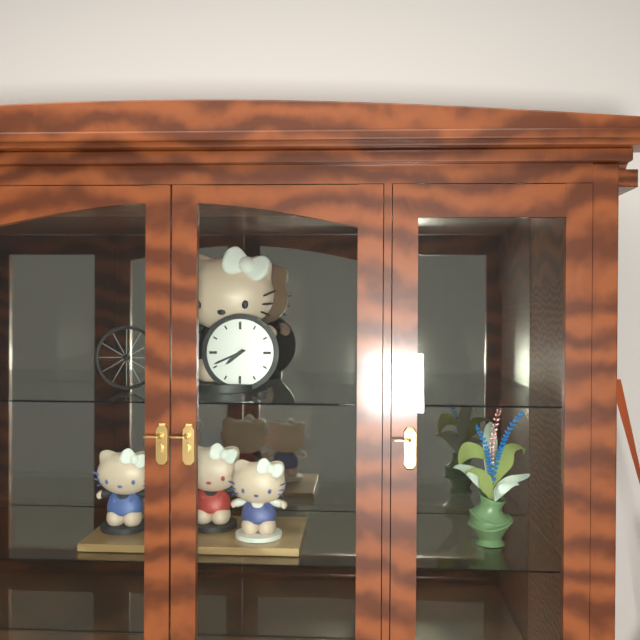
h=7 m=41
